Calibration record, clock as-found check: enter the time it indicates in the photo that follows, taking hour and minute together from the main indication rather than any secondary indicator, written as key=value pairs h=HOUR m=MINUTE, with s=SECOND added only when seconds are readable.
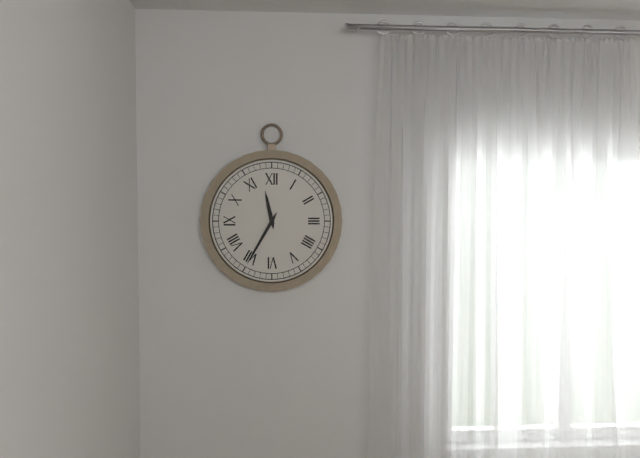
h=11 m=35
